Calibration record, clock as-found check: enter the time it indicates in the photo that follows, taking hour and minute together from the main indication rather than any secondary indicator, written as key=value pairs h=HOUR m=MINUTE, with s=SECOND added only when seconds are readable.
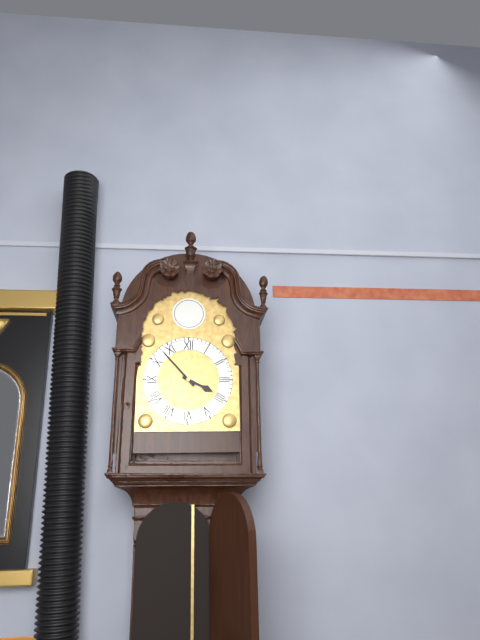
h=3 m=53
